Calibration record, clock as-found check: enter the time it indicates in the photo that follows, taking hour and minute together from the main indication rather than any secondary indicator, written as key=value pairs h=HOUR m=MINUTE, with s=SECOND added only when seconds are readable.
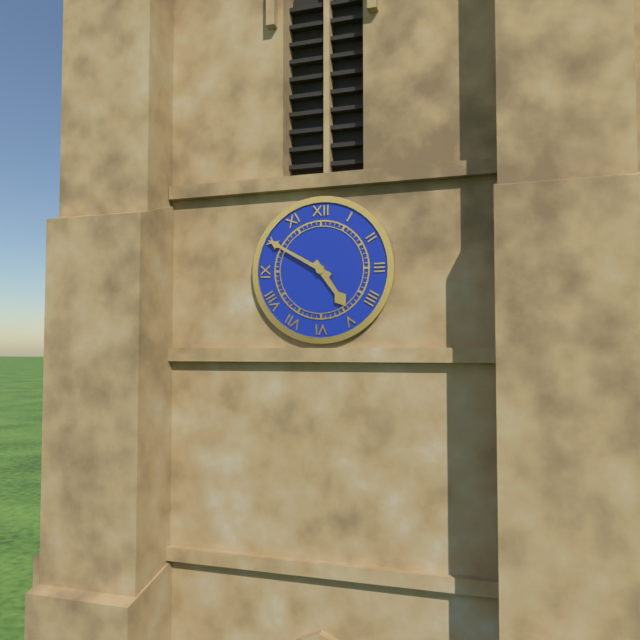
h=4 m=50
